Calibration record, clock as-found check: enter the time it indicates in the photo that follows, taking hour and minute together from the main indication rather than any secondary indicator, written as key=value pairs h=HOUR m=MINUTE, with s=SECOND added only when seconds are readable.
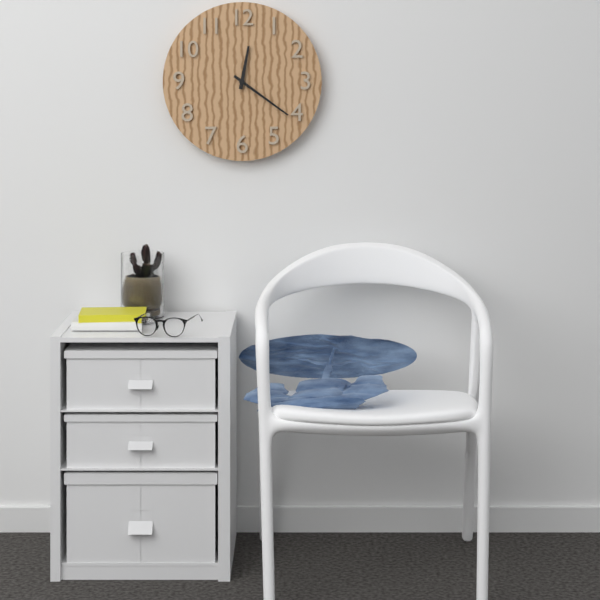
h=12 m=21
